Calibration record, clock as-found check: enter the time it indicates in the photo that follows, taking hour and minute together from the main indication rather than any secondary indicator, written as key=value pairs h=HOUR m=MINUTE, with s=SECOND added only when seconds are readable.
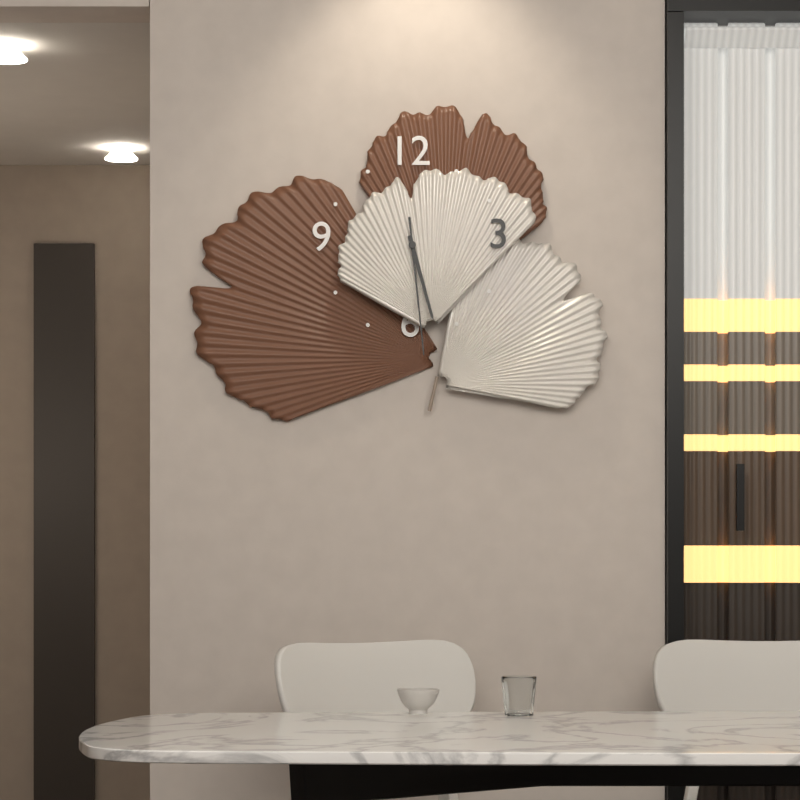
h=5 m=29
